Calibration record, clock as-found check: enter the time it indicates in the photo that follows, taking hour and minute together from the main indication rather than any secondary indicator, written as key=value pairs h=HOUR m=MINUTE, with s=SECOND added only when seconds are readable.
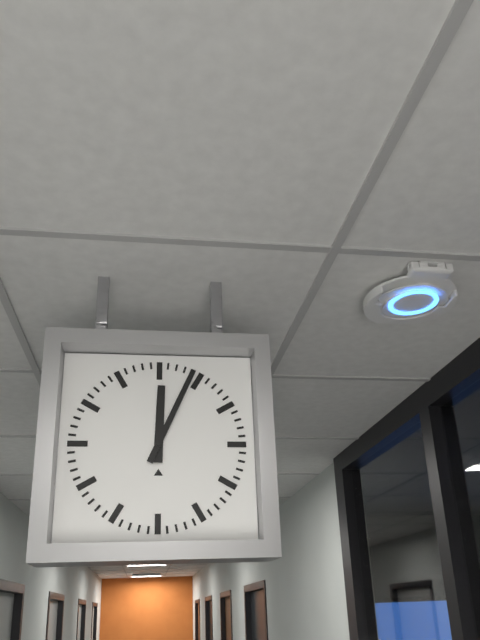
h=12 m=4
